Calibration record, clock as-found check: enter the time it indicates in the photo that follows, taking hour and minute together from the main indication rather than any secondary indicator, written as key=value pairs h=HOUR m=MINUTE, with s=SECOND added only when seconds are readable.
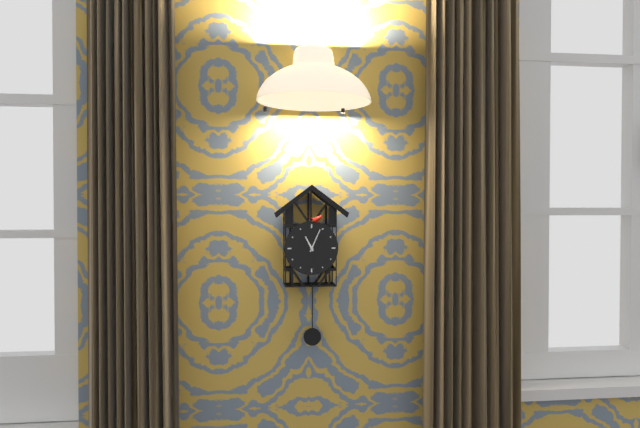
h=11 m=4
